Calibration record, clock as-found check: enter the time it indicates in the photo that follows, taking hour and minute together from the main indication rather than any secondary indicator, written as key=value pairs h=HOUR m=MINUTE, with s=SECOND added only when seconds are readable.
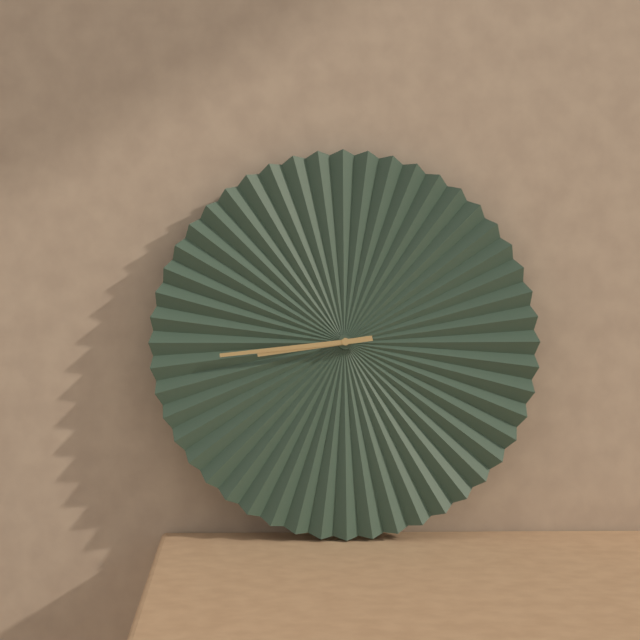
h=8 m=44
